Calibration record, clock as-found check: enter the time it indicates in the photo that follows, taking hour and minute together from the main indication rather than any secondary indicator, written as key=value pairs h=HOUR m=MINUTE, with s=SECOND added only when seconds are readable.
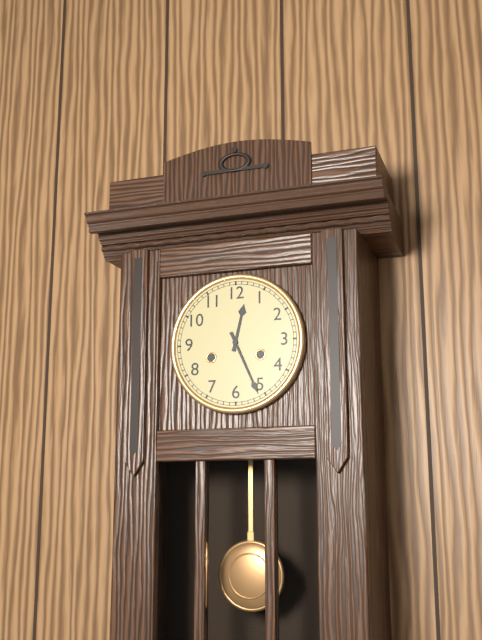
h=12 m=26
